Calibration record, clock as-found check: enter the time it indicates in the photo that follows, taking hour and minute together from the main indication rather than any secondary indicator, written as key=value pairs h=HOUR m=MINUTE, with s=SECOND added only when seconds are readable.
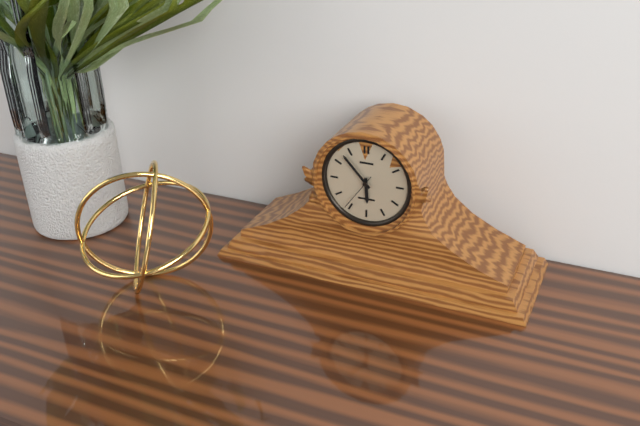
h=5 m=53
